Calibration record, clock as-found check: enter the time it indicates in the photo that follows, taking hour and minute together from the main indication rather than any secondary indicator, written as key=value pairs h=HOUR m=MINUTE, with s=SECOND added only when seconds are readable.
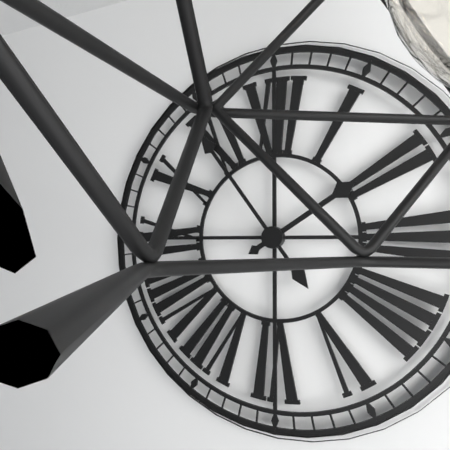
h=1 m=54
